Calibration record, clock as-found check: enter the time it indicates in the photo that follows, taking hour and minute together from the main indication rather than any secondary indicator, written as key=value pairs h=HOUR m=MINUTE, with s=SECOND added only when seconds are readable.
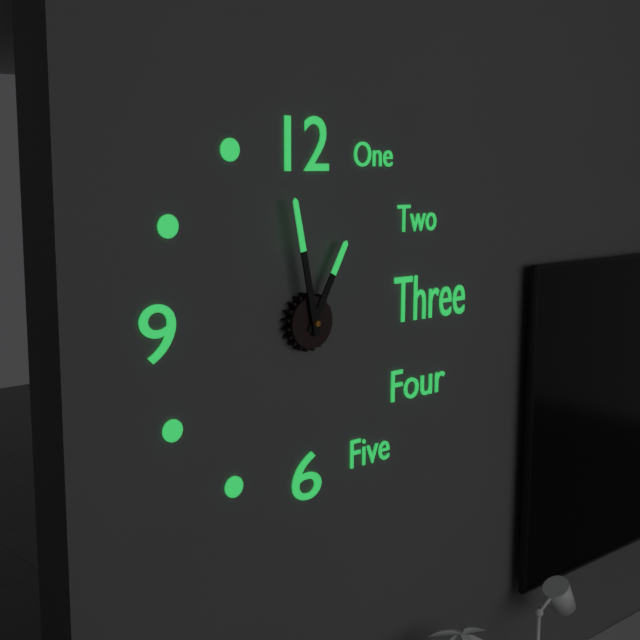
h=12 m=58
